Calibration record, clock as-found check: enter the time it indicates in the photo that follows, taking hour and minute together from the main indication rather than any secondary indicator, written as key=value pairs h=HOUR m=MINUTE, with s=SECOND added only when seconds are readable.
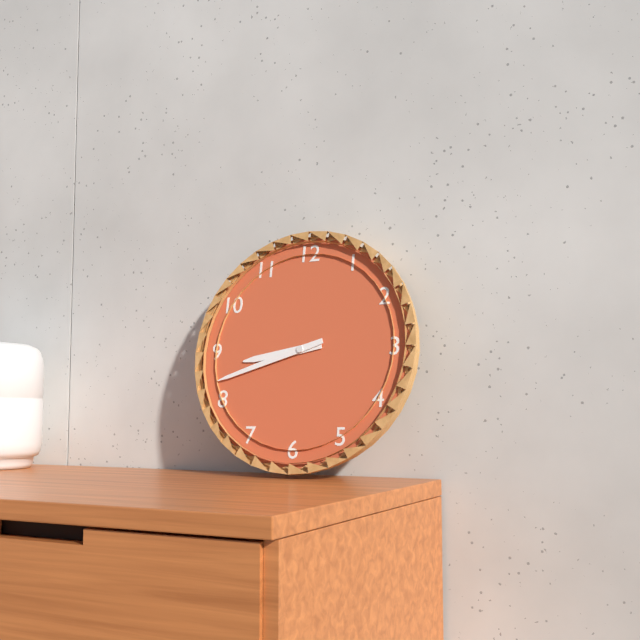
h=8 m=42
